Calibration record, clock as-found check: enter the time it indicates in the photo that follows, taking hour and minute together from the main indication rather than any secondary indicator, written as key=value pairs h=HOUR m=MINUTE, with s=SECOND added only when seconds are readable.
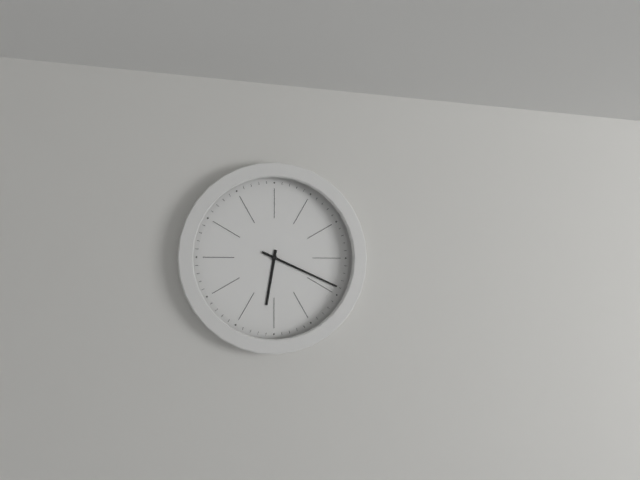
h=6 m=19
